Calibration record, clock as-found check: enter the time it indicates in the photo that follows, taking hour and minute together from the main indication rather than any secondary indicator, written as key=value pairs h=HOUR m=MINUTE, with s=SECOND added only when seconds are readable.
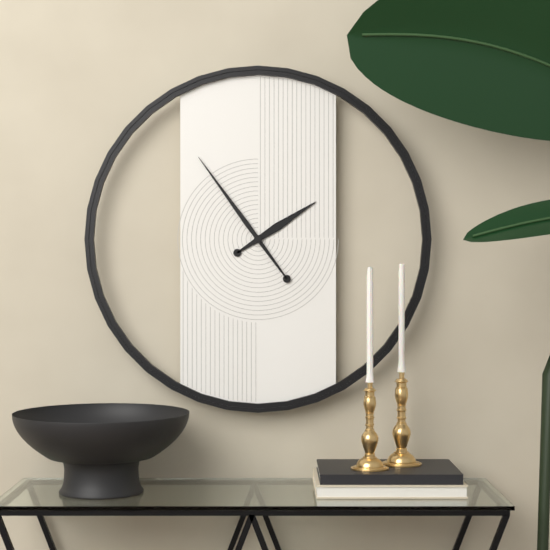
h=1 m=54
